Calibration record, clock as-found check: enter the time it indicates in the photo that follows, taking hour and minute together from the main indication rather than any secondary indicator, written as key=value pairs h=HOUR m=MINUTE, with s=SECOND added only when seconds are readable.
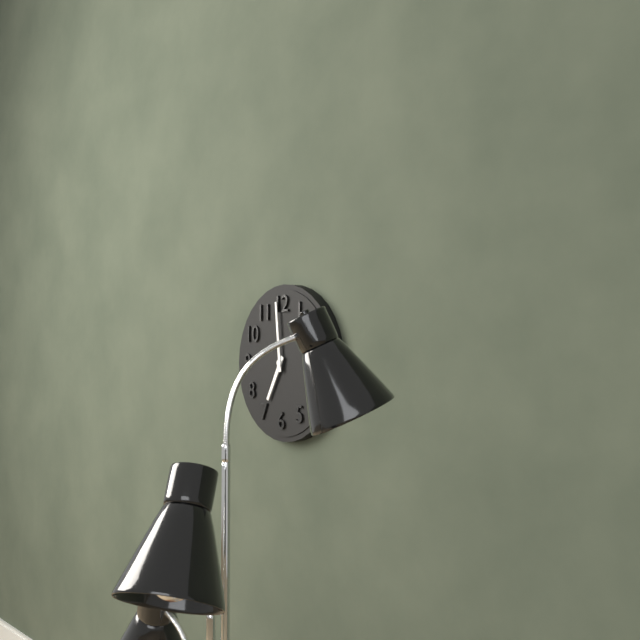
h=6 m=59
